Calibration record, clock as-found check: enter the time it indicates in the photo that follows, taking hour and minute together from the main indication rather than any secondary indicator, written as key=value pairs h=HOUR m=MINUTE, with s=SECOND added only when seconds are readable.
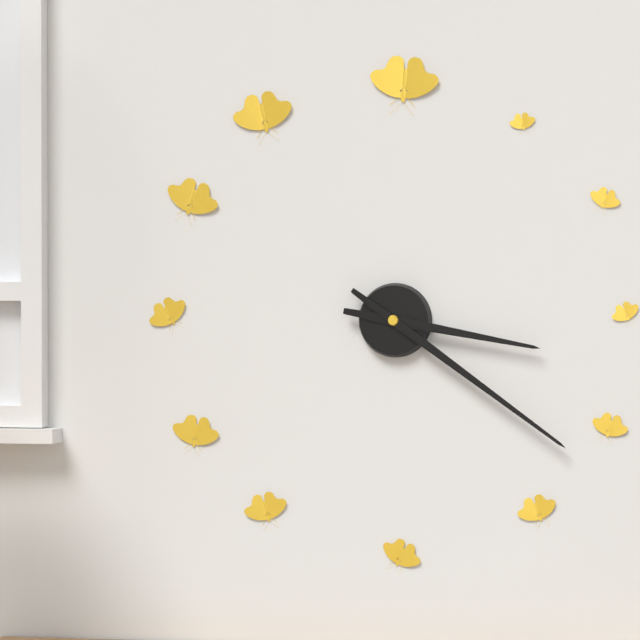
h=3 m=21
